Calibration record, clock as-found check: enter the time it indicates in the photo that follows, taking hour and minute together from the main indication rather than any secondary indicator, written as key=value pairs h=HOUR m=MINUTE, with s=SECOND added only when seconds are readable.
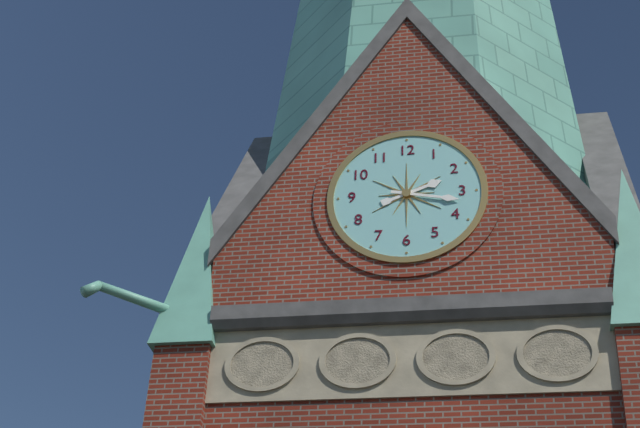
h=2 m=17
